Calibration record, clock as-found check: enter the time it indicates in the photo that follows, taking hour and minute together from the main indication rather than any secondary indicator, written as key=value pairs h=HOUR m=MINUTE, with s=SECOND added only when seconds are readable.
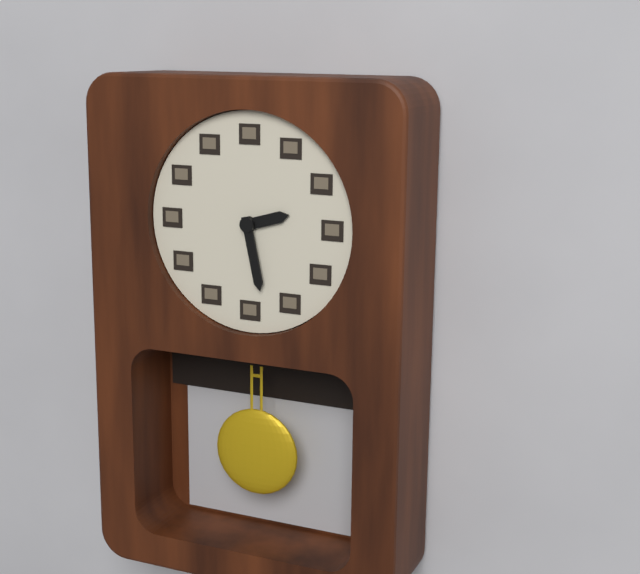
h=2 m=28
